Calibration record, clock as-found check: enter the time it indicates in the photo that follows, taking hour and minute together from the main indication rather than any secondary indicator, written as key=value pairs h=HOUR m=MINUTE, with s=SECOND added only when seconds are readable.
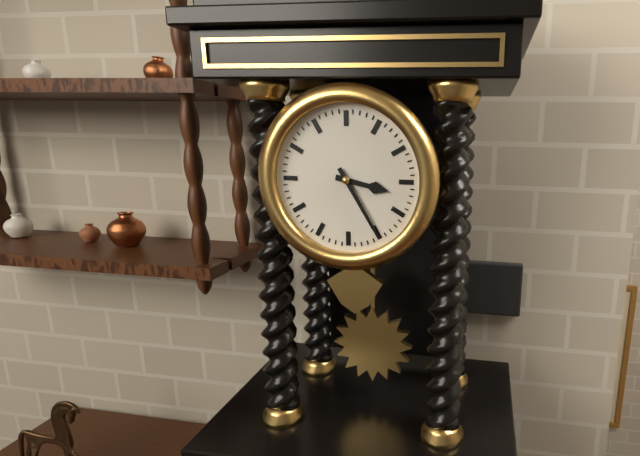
h=3 m=25
